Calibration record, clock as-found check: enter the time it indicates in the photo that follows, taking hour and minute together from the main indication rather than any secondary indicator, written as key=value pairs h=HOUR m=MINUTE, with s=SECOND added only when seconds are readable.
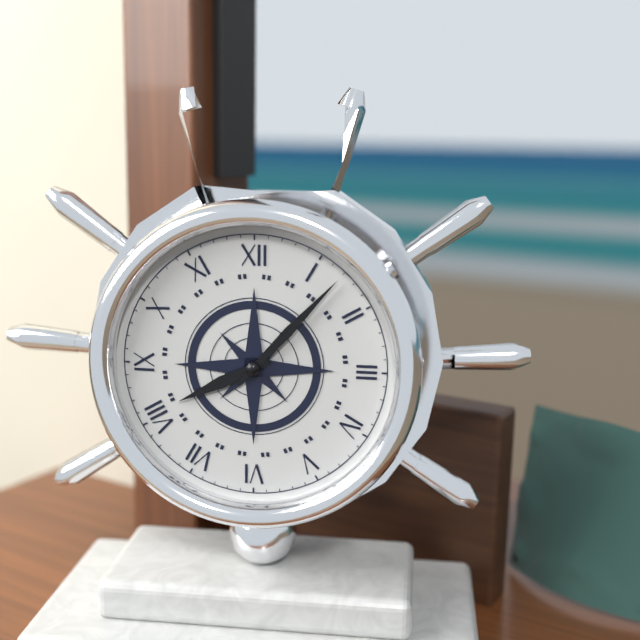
h=8 m=7
